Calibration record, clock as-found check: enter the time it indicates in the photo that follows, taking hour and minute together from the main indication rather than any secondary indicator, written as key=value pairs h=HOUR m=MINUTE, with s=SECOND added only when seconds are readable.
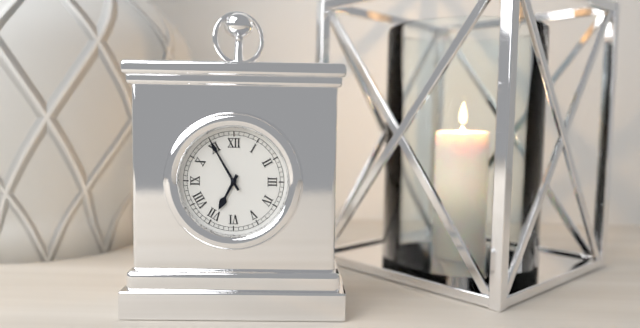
h=6 m=55
